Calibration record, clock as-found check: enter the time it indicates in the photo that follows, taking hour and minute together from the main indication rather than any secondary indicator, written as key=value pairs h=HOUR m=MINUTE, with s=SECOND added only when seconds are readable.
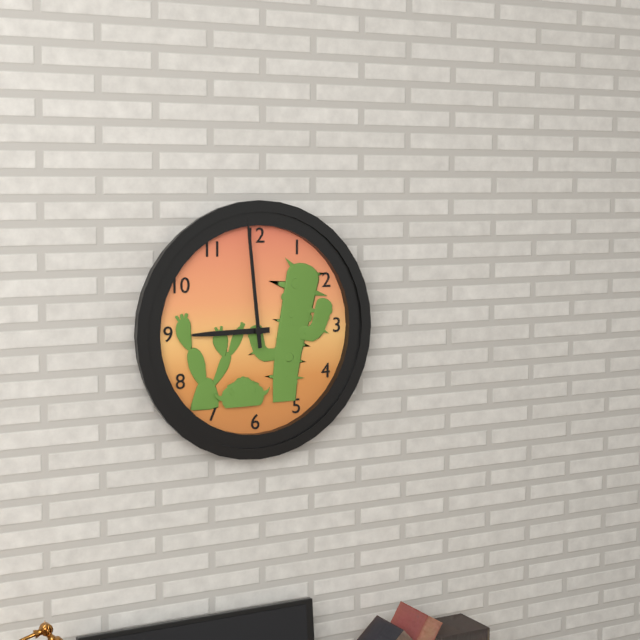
h=8 m=59
